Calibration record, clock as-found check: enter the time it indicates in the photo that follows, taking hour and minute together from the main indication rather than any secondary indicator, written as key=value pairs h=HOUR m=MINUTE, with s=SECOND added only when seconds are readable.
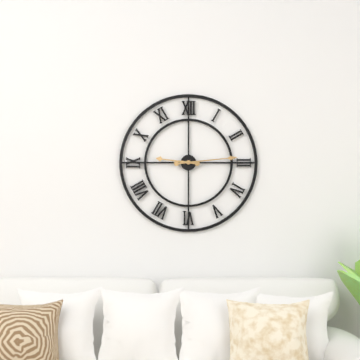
h=9 m=14
